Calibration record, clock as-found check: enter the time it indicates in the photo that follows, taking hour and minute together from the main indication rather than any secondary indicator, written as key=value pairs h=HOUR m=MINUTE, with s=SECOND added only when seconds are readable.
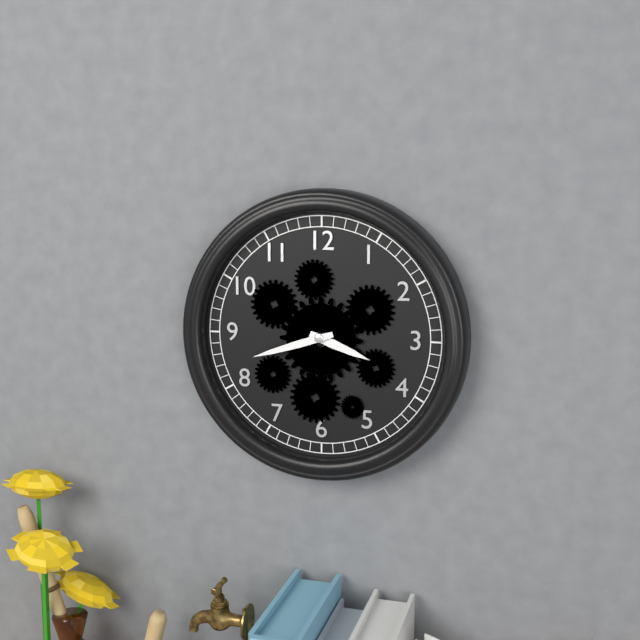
h=3 m=42
